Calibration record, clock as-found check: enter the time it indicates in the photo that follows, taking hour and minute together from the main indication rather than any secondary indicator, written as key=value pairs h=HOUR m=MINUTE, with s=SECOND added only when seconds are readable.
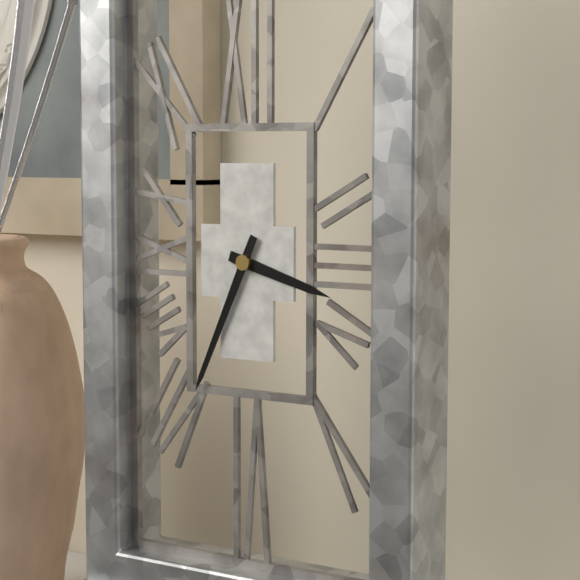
h=3 m=34
